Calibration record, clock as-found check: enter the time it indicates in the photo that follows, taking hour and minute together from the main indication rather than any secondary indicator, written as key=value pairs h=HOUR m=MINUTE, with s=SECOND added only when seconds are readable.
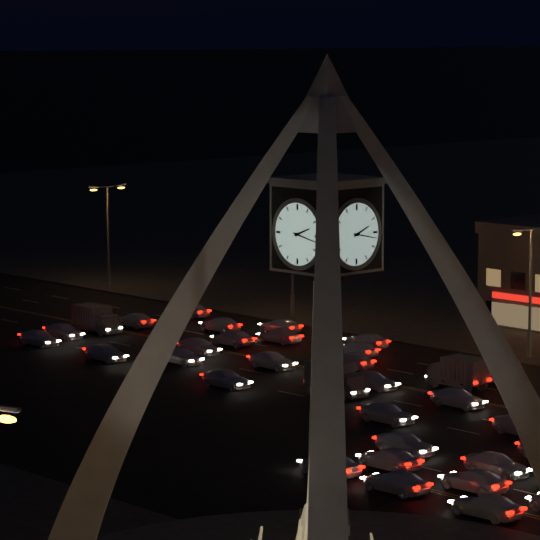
h=2 m=17
